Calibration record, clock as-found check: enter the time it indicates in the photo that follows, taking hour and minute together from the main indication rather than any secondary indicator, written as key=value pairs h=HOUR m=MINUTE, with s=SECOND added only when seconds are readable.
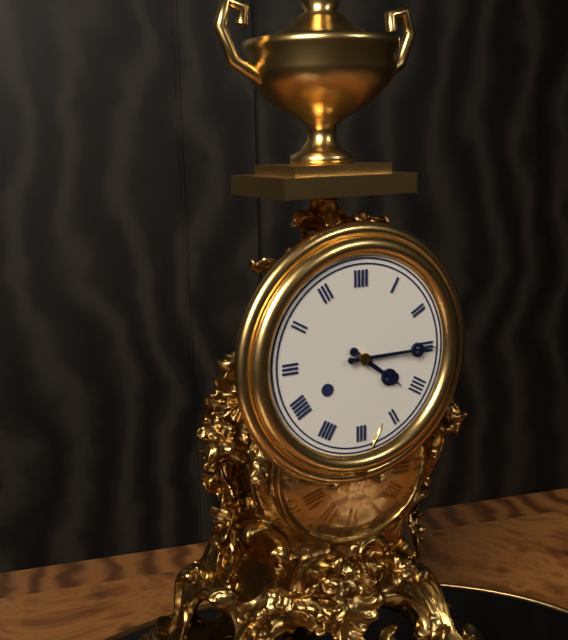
h=4 m=15
